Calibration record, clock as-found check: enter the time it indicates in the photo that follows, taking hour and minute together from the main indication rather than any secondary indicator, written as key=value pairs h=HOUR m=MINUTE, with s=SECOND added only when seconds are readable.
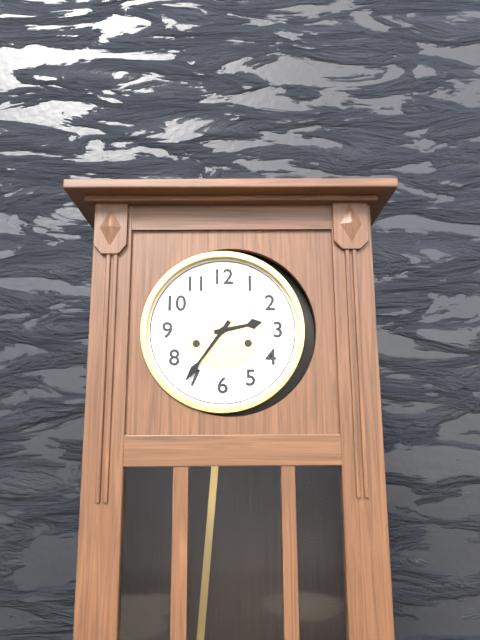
h=2 m=36
